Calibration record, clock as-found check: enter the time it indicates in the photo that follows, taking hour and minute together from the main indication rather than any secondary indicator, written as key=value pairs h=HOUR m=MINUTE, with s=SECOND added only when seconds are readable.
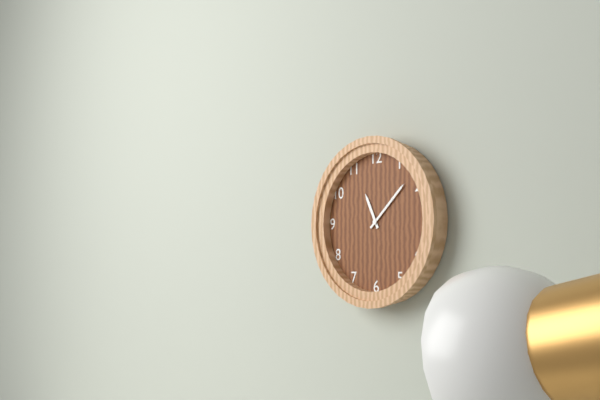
h=11 m=8
